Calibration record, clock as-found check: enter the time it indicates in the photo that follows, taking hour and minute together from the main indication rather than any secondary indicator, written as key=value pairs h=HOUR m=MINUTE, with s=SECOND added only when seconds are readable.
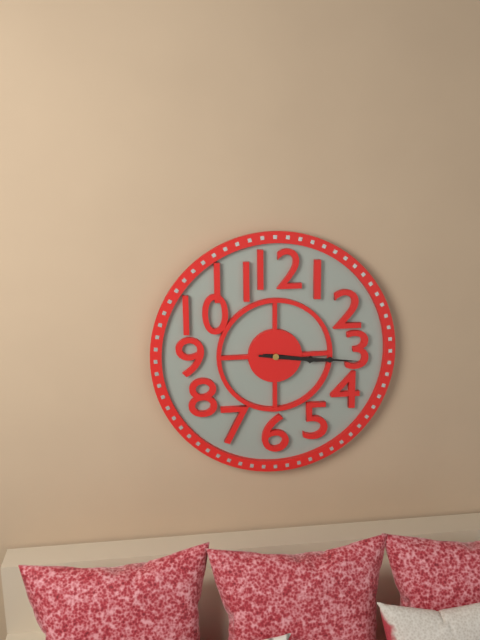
h=3 m=16
